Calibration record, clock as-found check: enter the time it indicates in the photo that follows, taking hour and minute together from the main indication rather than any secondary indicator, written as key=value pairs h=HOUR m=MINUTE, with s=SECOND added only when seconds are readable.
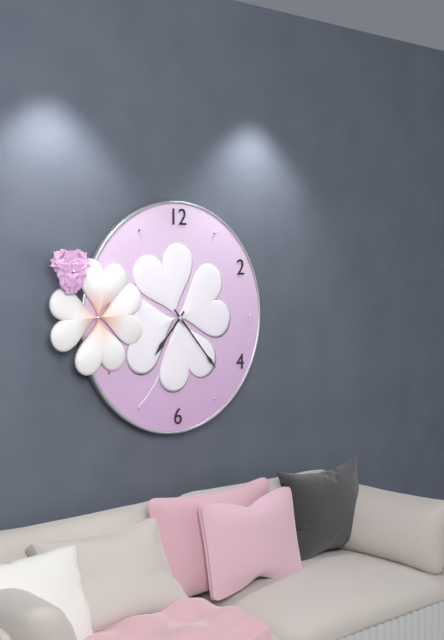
h=7 m=23
